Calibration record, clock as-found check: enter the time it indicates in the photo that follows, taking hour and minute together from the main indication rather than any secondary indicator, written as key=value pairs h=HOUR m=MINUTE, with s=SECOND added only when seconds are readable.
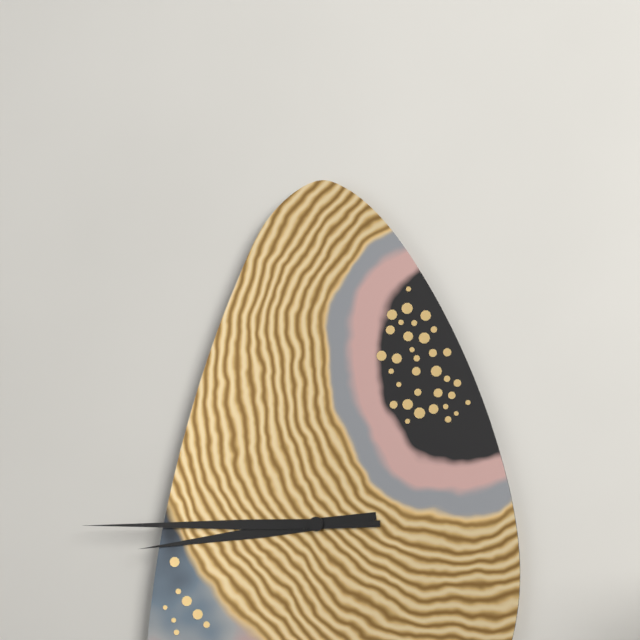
h=8 m=45
